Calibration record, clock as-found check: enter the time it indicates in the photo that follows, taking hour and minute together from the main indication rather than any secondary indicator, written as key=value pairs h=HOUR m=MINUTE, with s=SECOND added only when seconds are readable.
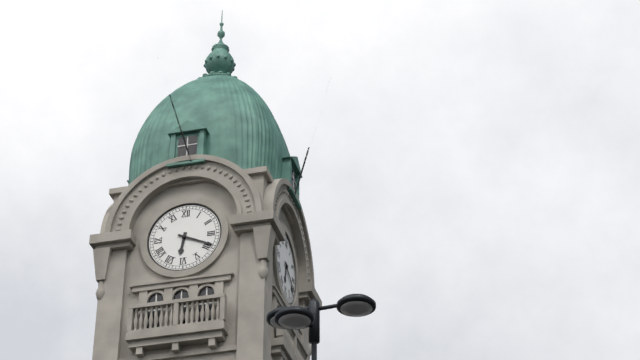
h=6 m=19
